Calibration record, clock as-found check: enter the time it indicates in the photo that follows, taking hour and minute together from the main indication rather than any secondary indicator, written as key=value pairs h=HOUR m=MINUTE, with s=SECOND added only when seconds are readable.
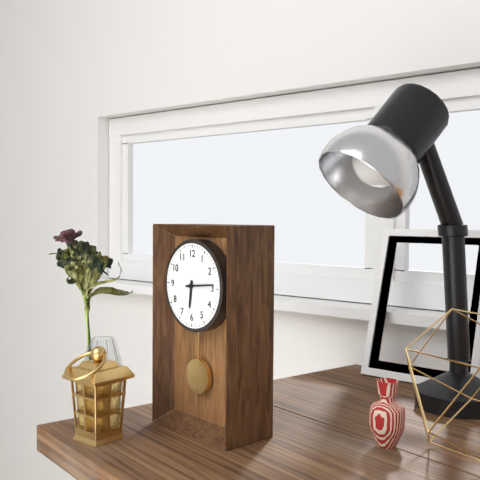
h=6 m=14
